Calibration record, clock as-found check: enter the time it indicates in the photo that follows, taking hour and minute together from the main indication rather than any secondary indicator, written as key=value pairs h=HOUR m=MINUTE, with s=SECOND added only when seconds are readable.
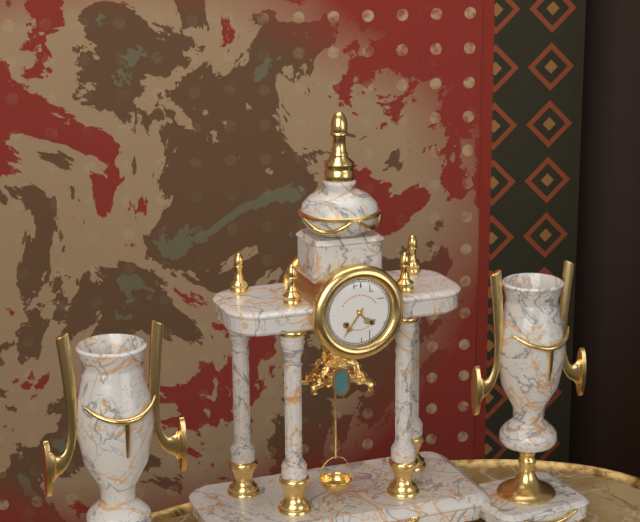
h=4 m=36
